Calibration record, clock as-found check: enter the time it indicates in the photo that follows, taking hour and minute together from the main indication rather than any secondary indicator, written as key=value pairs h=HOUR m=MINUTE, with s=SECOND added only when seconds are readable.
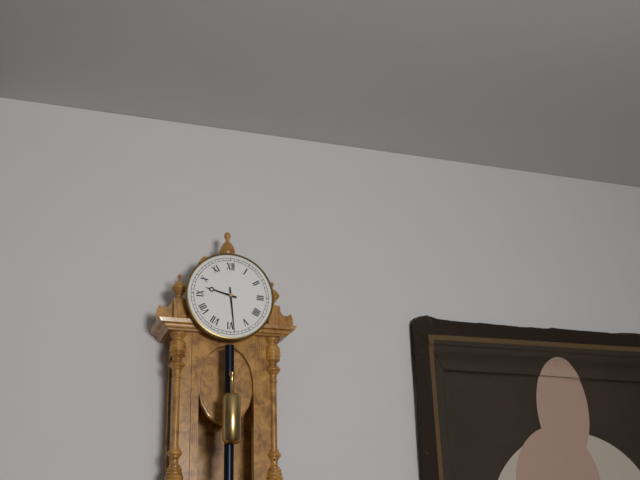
h=9 m=29
